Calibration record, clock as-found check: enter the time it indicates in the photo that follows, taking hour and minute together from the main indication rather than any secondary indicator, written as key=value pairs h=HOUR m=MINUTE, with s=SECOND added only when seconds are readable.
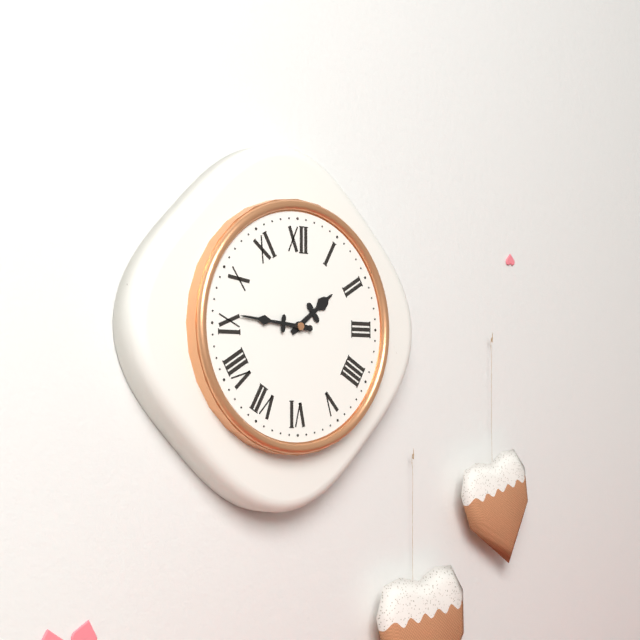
h=1 m=46
